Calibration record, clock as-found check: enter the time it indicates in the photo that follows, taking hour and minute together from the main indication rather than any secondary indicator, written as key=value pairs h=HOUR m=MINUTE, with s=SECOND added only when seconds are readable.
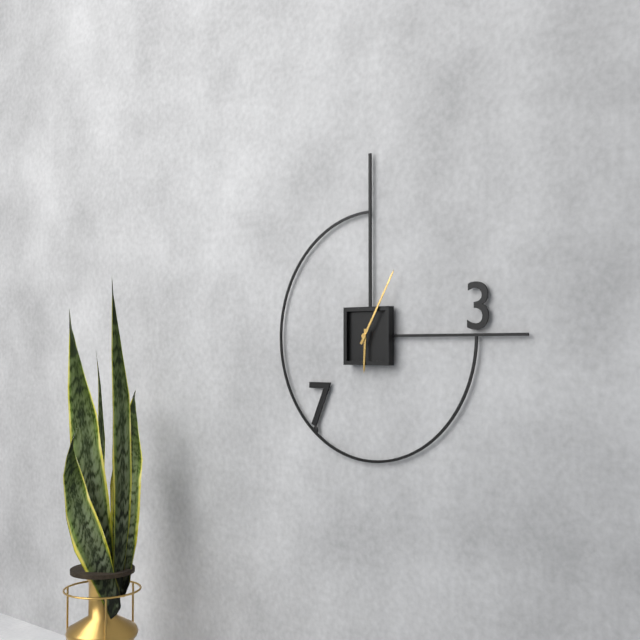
h=6 m=5
